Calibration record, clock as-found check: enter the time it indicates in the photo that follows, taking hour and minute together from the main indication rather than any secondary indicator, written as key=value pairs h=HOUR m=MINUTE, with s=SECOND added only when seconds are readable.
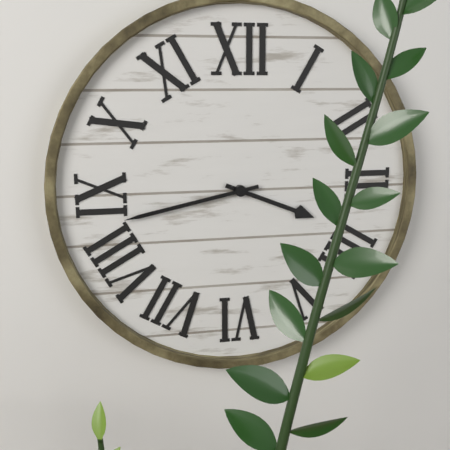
h=3 m=43
